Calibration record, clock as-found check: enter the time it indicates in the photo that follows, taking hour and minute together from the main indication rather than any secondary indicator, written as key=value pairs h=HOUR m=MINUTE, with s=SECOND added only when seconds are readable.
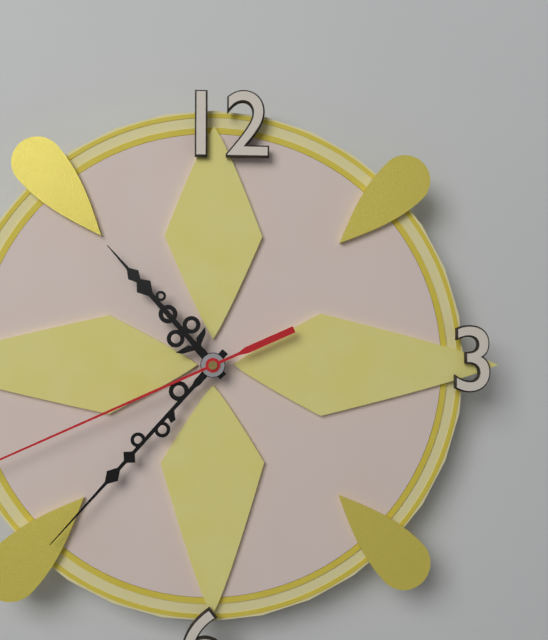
h=10 m=37
